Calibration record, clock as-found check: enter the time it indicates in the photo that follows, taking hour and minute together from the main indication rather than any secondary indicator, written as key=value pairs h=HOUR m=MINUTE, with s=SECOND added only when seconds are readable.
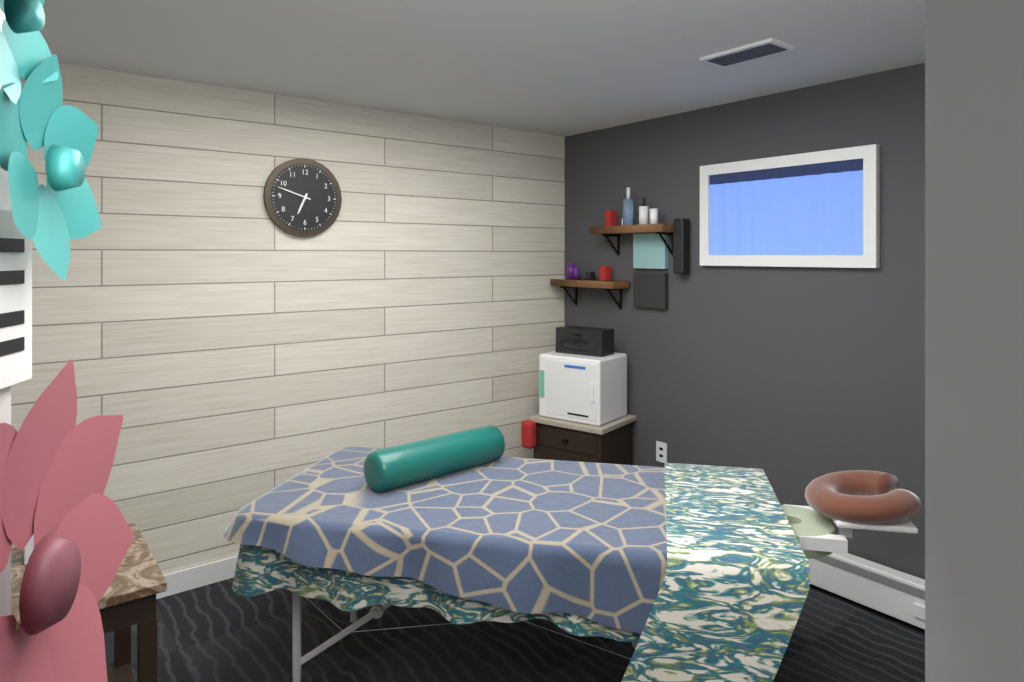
h=6 m=48
